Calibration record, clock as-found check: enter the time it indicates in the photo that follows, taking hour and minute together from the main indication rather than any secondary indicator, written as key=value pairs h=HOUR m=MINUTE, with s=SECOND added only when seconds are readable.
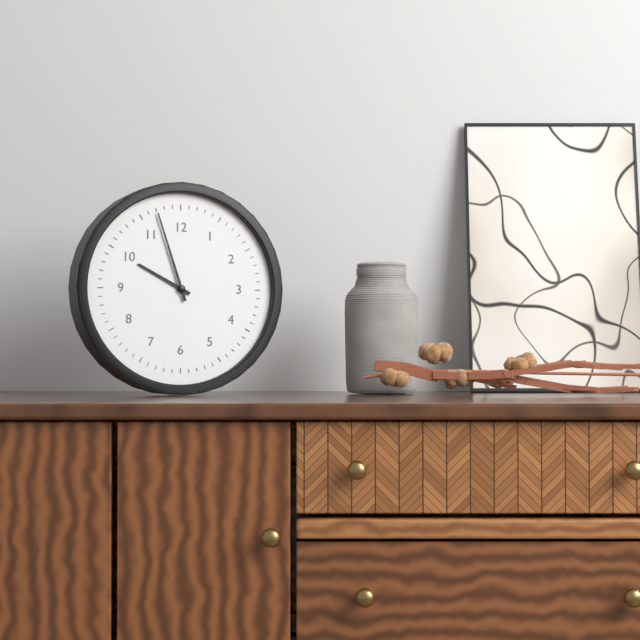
h=9 m=57
